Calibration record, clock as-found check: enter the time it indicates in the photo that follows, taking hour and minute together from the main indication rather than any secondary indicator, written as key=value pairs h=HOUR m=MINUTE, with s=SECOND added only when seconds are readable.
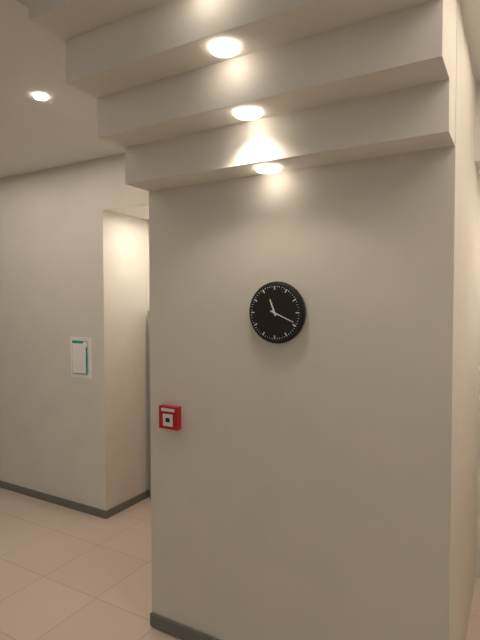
h=11 m=19
